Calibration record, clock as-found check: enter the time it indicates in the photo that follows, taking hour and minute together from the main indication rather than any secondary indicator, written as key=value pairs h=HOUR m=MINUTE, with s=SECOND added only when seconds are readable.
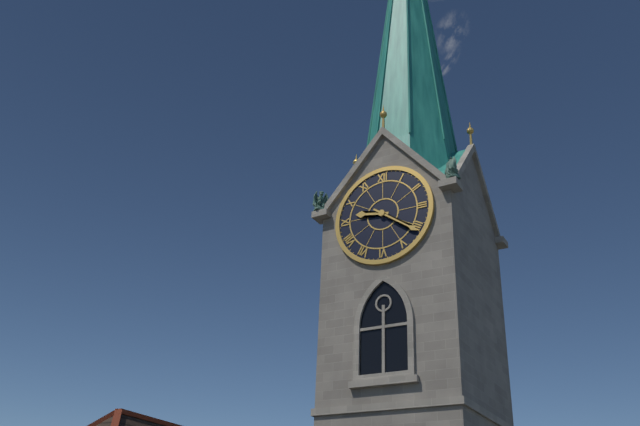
h=9 m=21
